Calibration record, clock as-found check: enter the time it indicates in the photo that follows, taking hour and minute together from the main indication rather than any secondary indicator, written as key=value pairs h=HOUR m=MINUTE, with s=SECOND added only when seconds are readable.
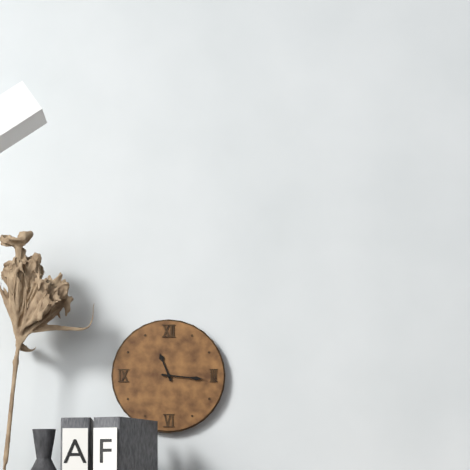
h=11 m=16
